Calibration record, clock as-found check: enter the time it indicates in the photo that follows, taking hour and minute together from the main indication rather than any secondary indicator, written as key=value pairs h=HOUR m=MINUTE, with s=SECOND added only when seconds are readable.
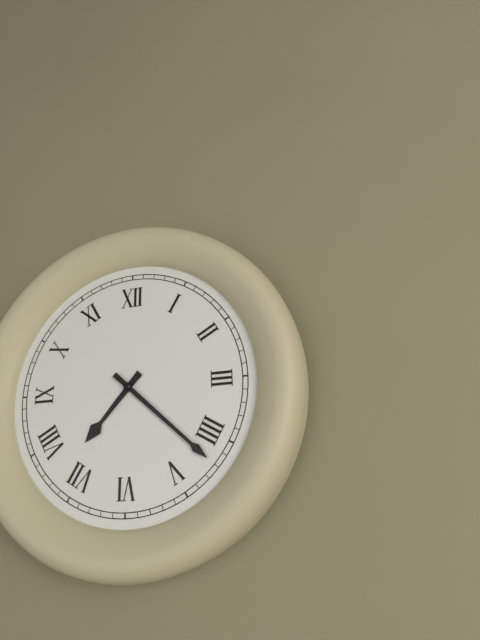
h=7 m=22
